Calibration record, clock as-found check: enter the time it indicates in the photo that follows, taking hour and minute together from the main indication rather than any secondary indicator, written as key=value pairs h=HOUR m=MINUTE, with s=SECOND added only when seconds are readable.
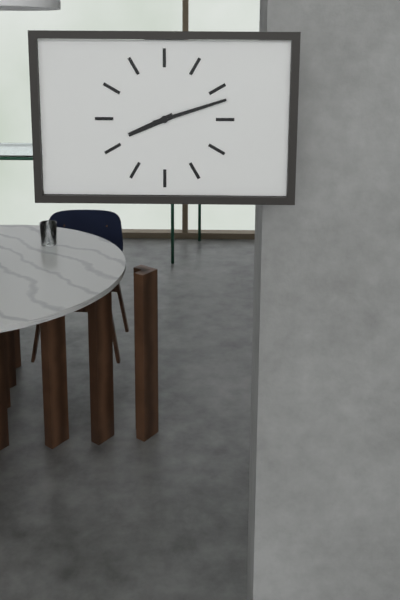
h=8 m=12
